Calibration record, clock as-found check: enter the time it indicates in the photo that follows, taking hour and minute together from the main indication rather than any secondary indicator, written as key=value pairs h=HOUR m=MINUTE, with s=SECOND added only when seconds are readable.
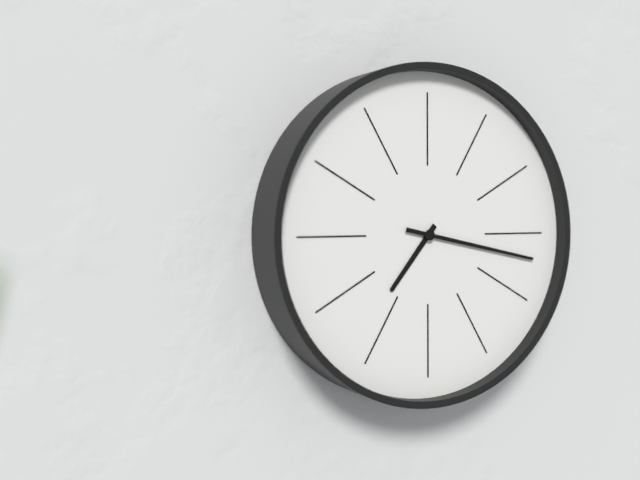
h=7 m=17
